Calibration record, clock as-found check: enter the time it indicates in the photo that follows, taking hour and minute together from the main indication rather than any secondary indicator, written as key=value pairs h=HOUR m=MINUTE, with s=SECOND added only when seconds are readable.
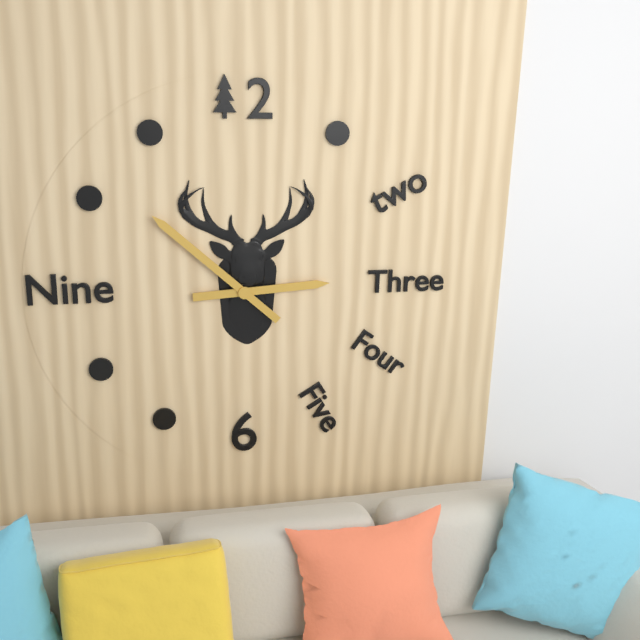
h=2 m=52
